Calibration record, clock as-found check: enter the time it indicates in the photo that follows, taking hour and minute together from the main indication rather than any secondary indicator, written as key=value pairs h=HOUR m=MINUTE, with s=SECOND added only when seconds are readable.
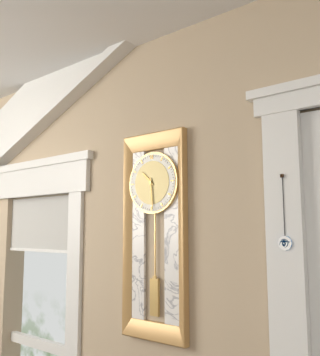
h=10 m=29
